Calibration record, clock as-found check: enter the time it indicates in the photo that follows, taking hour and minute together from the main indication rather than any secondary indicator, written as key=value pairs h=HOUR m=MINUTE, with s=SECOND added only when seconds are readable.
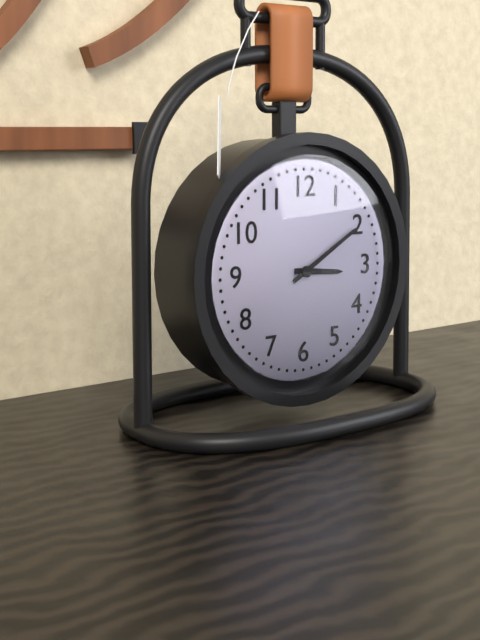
h=3 m=10
